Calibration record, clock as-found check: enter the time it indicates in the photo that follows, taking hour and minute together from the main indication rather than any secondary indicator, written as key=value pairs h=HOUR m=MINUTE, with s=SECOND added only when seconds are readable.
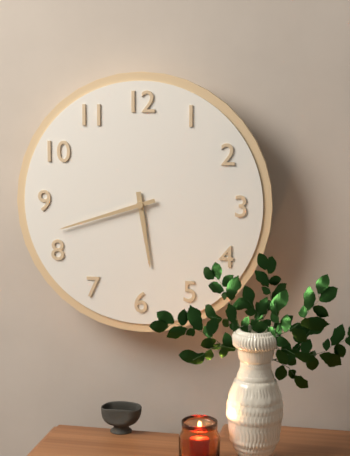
h=5 m=42
